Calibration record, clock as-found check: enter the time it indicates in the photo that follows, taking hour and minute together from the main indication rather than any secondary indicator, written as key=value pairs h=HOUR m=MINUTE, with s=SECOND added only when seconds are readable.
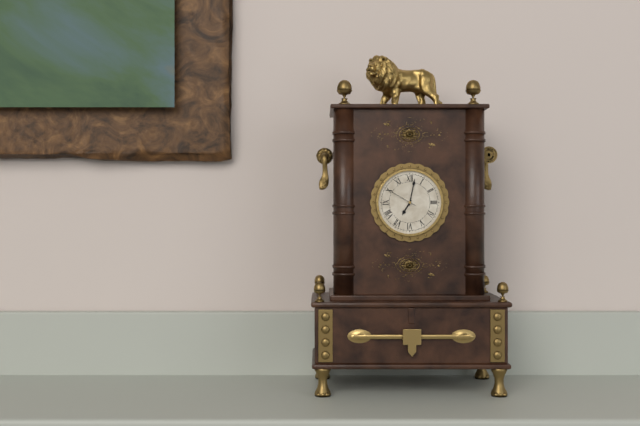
h=7 m=2
